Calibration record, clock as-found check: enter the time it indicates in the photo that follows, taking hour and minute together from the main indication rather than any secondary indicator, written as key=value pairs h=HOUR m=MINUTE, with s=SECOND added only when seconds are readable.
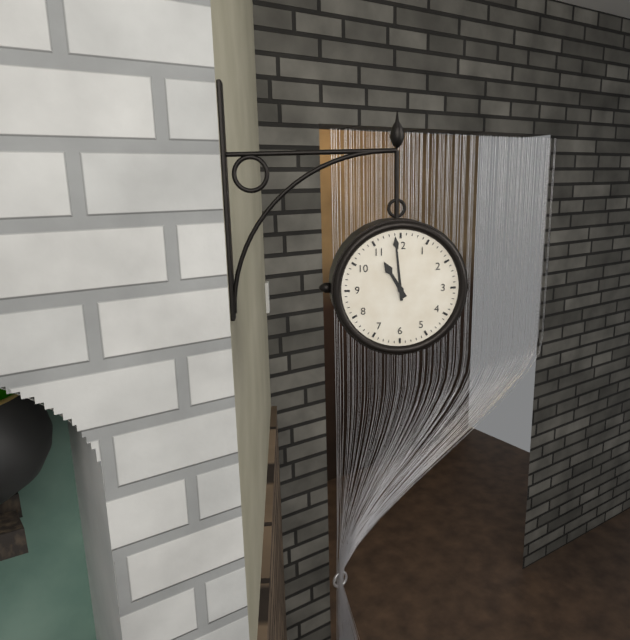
h=10 m=59
